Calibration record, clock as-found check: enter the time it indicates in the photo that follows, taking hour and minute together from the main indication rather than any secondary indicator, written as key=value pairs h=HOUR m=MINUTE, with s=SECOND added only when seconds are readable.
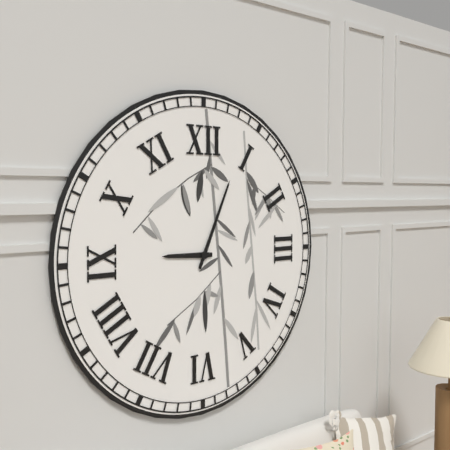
h=9 m=4
